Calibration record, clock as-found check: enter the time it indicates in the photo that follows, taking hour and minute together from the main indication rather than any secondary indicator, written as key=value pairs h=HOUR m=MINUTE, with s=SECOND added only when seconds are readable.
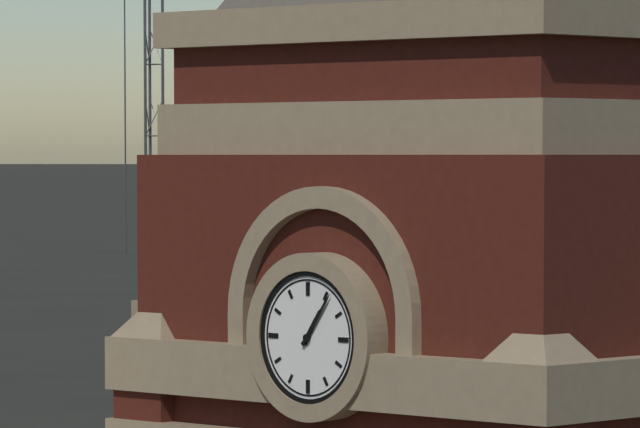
h=1 m=6
